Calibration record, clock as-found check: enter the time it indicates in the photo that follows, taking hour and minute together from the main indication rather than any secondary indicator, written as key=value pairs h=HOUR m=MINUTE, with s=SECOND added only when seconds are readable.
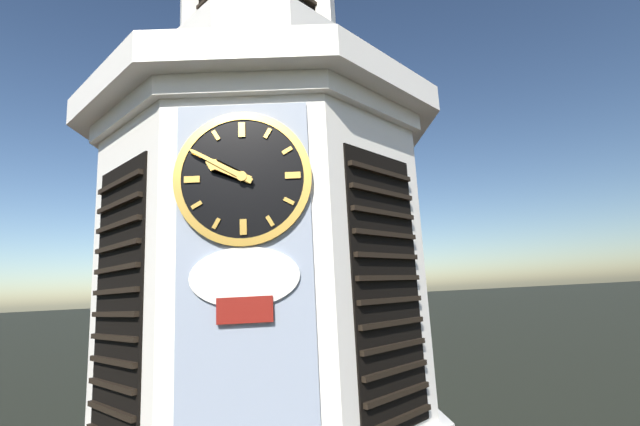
h=9 m=50
